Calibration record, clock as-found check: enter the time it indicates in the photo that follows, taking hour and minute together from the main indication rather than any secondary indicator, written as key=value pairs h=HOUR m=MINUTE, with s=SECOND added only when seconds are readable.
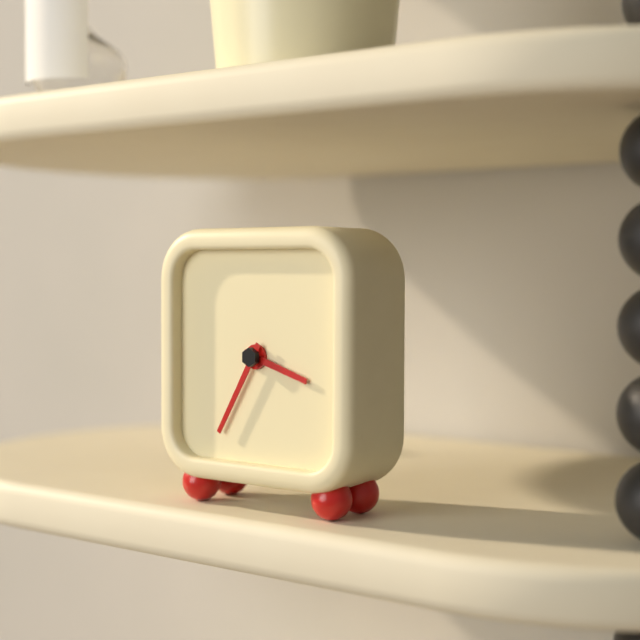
h=3 m=35
